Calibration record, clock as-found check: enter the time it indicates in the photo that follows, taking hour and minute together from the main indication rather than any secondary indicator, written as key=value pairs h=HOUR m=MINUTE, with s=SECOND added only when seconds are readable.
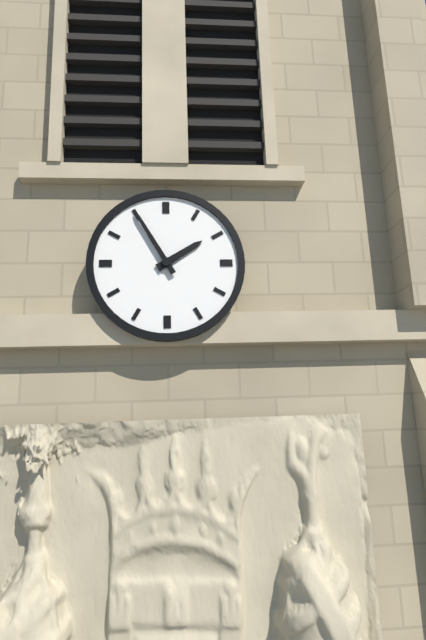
h=1 m=55
